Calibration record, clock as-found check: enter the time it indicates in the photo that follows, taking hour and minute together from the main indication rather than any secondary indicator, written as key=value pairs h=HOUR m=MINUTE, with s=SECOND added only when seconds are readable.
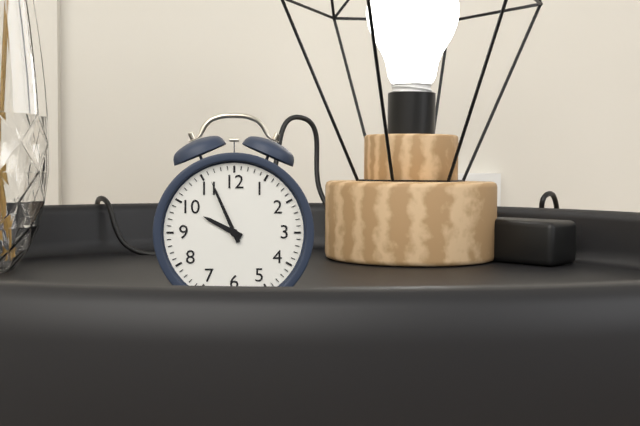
h=9 m=56
